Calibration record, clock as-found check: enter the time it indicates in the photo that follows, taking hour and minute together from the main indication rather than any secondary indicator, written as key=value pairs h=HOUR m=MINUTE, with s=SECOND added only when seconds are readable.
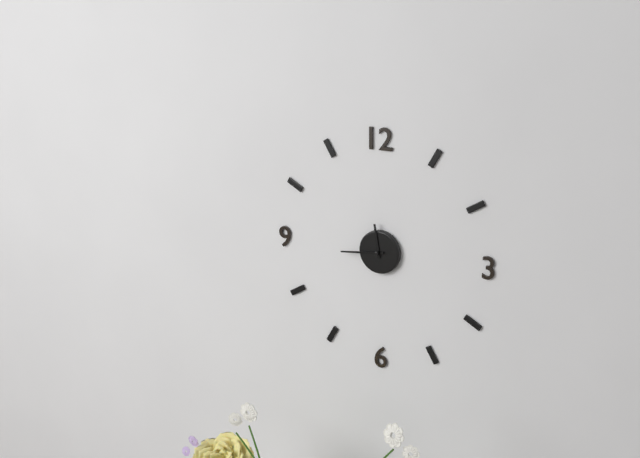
h=11 m=44
